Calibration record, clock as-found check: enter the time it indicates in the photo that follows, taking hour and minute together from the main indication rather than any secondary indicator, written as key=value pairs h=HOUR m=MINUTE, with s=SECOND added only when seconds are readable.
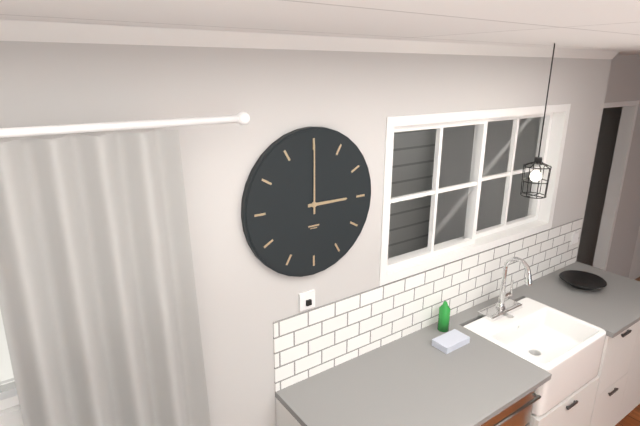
h=3 m=0
